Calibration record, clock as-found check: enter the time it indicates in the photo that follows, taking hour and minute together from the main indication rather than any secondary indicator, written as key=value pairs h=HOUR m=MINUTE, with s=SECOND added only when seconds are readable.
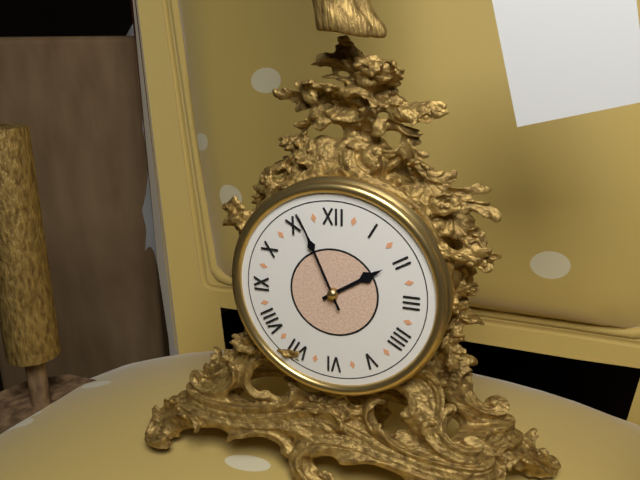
h=1 m=56
